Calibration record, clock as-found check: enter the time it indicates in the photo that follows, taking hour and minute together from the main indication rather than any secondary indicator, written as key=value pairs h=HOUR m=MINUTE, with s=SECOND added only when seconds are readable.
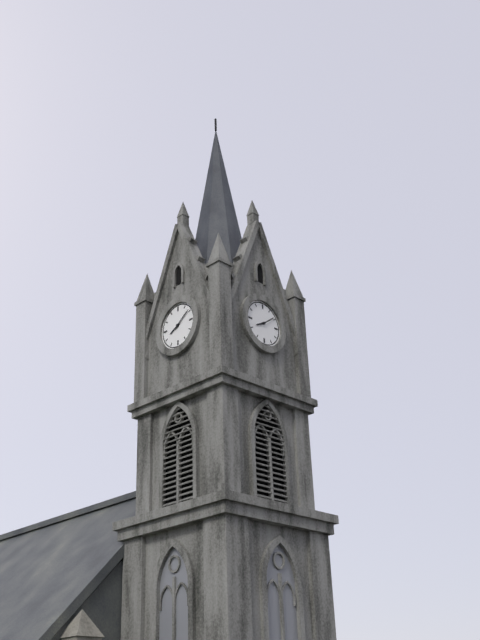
h=8 m=9
